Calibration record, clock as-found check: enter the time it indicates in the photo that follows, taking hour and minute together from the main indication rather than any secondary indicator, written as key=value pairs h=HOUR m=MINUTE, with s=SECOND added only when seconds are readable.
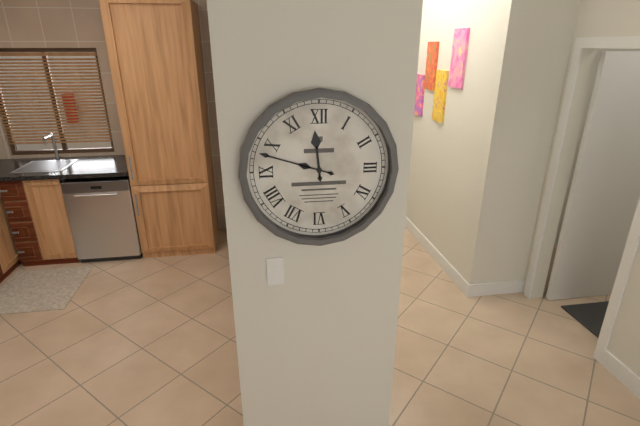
h=11 m=48
